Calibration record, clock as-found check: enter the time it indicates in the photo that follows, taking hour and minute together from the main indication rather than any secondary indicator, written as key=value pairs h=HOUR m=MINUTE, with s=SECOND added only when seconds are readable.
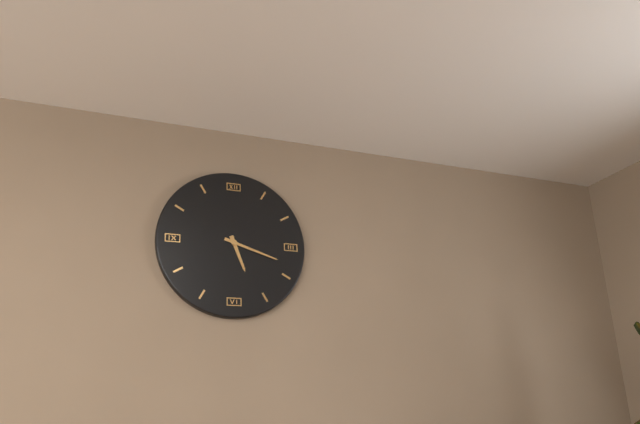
h=5 m=18
